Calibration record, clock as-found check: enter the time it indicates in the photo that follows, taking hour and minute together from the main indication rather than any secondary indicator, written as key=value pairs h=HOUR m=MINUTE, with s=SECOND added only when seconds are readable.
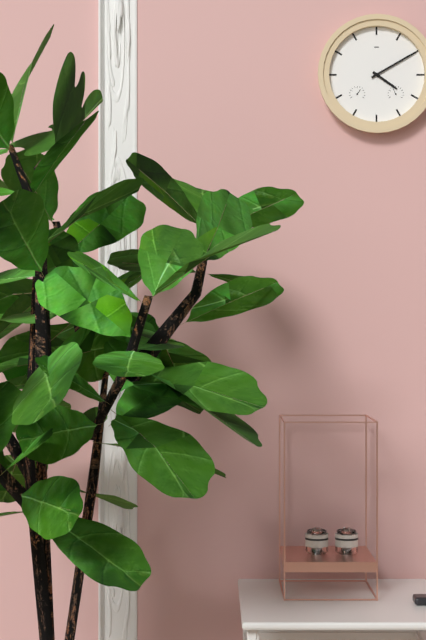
h=4 m=10
